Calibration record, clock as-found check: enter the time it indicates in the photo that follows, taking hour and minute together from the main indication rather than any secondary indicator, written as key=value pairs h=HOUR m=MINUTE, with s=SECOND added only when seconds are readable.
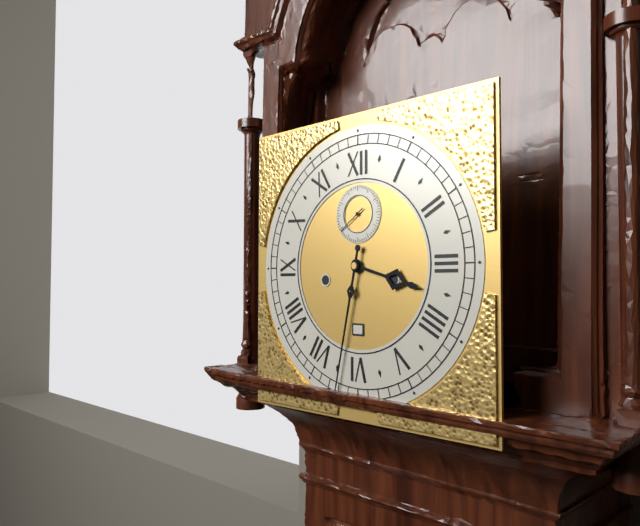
h=3 m=32
